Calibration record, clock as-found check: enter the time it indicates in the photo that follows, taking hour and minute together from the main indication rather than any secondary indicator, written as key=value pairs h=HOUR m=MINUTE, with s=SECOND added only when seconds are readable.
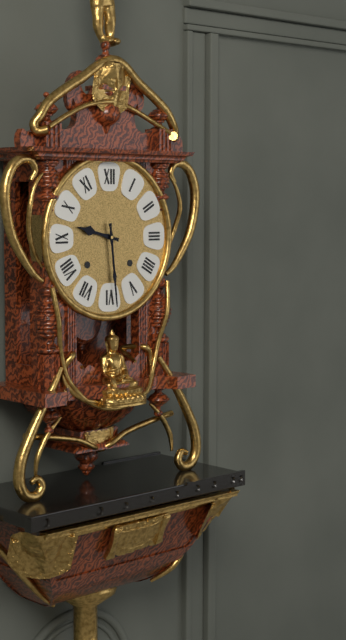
h=9 m=29
